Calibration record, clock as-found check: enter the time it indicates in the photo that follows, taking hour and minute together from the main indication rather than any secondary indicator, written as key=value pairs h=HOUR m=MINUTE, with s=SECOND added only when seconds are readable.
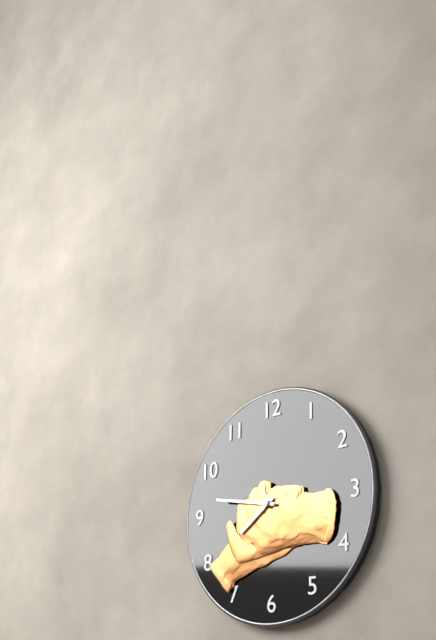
h=7 m=47
